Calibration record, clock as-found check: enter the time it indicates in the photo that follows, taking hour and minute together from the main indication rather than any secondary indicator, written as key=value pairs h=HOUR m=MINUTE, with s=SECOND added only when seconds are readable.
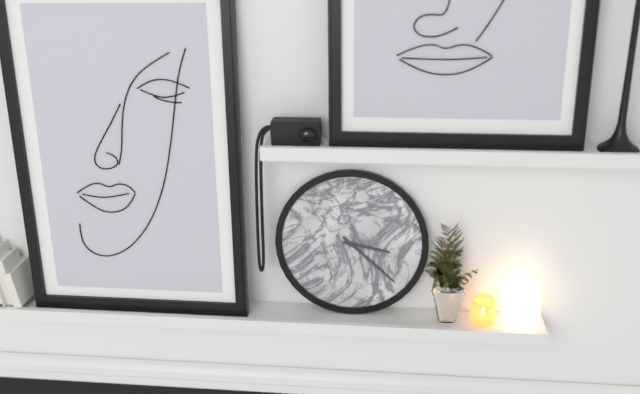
h=3 m=22
